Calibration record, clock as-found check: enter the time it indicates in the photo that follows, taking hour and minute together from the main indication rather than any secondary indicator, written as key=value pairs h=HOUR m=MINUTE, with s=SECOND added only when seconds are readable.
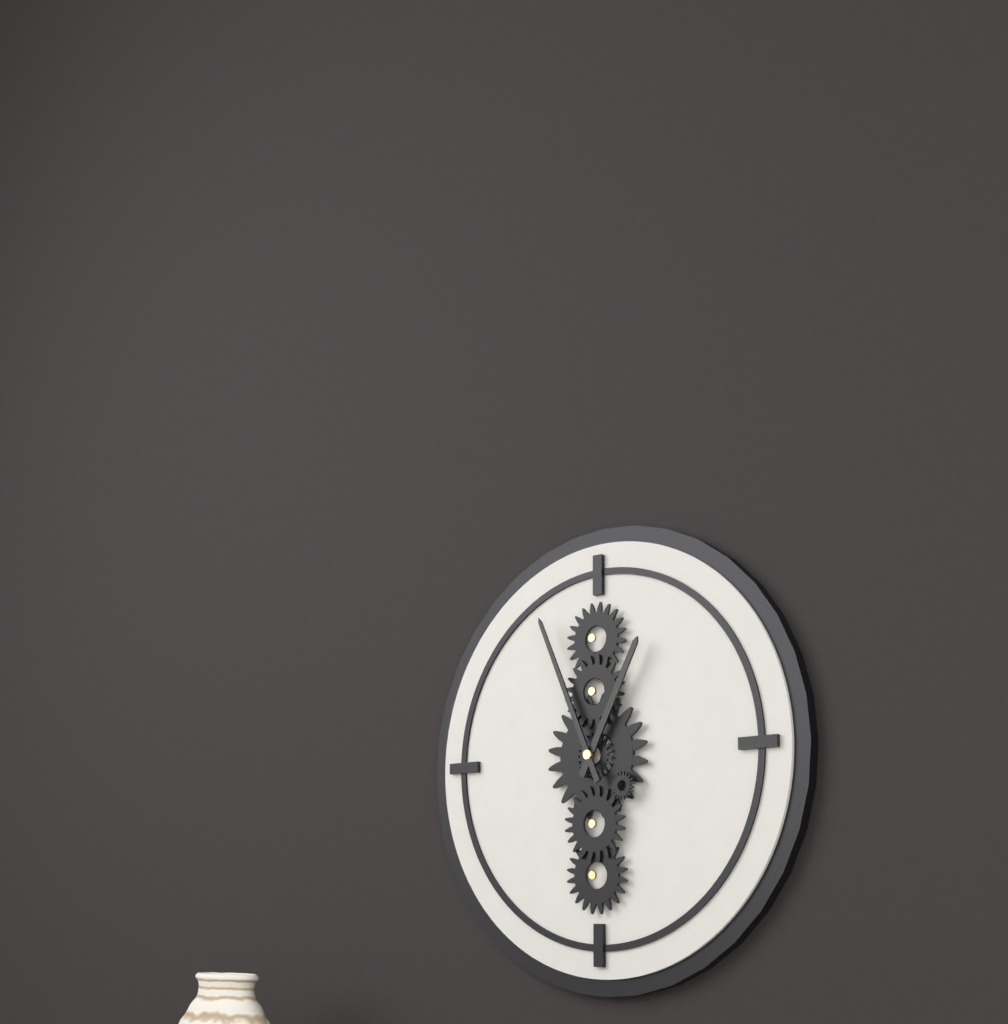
h=12 m=56
